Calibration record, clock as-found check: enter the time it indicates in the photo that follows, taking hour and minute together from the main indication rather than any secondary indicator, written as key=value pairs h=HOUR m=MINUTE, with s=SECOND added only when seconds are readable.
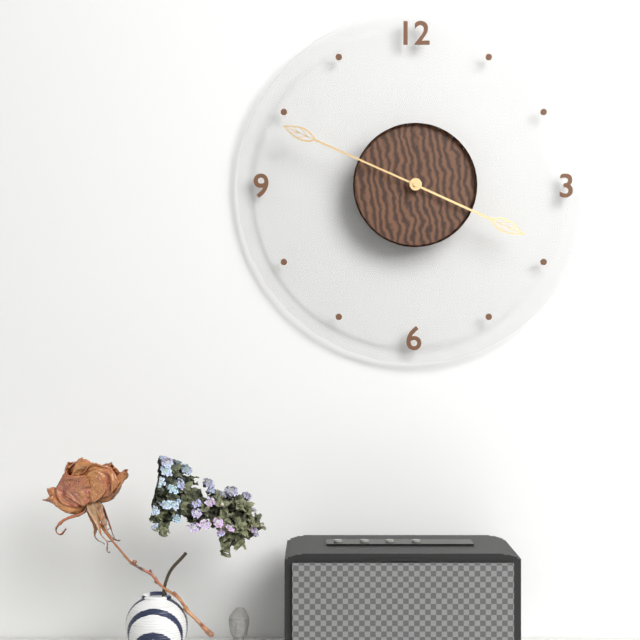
h=3 m=49
